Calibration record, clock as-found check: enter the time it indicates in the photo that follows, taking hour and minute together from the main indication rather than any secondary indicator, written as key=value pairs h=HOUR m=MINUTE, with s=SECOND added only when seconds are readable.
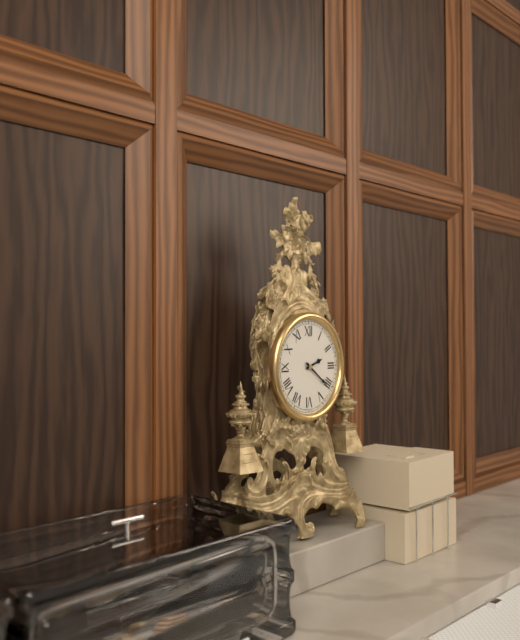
h=2 m=21
